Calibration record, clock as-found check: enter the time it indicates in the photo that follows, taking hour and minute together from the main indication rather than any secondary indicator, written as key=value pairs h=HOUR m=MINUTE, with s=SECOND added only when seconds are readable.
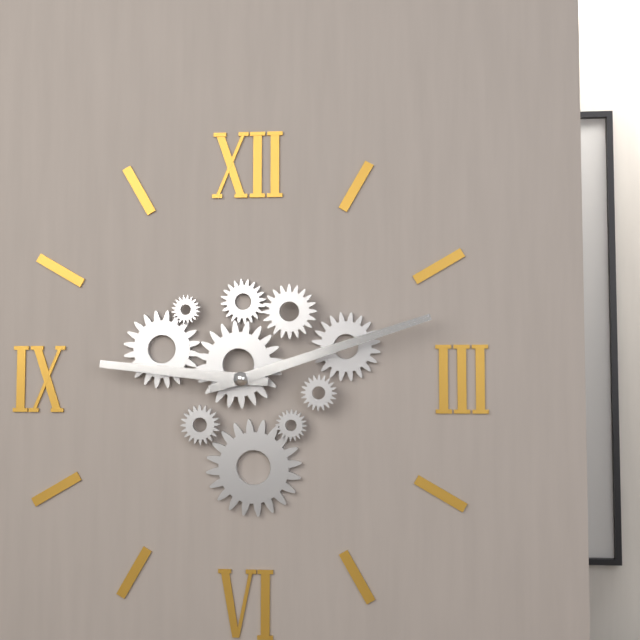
h=9 m=12
